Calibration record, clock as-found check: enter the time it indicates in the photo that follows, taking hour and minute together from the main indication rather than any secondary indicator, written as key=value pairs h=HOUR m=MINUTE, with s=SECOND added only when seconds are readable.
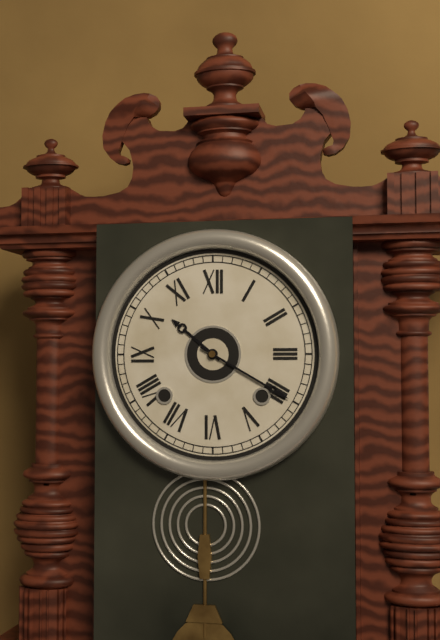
h=10 m=20
